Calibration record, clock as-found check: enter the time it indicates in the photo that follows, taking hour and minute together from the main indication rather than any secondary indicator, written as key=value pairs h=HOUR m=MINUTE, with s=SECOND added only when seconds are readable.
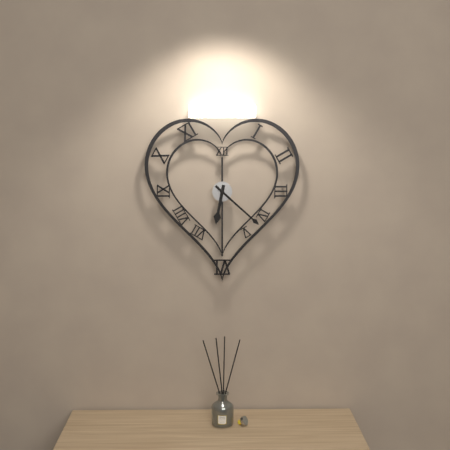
h=6 m=22
